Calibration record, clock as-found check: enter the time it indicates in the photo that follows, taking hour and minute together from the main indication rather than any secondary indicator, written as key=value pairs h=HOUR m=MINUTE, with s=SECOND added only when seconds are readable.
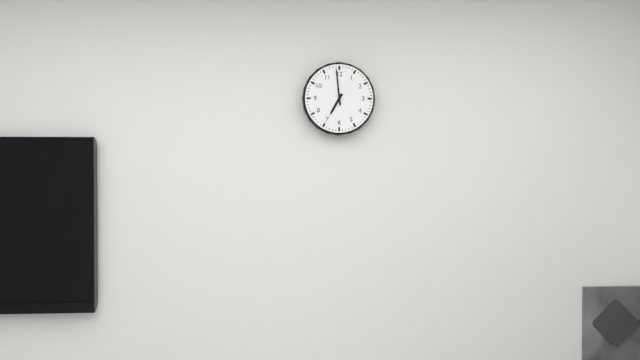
h=6 m=59
